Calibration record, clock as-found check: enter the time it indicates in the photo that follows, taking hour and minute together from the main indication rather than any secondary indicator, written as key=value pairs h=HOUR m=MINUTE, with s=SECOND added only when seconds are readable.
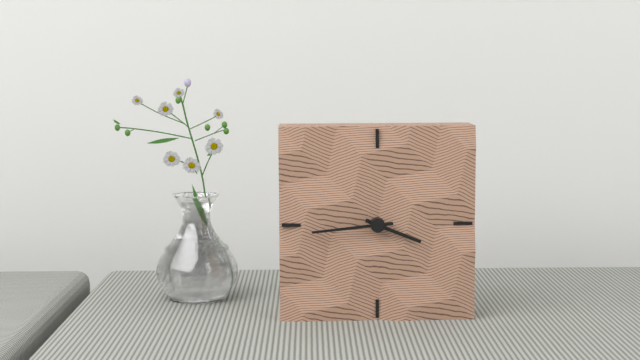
h=3 m=44
